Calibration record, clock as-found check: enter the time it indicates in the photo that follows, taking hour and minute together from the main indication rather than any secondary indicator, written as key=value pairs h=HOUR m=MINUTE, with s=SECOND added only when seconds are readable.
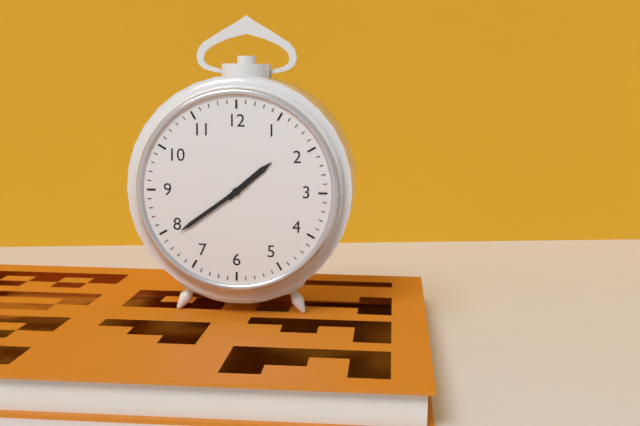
h=1 m=39
